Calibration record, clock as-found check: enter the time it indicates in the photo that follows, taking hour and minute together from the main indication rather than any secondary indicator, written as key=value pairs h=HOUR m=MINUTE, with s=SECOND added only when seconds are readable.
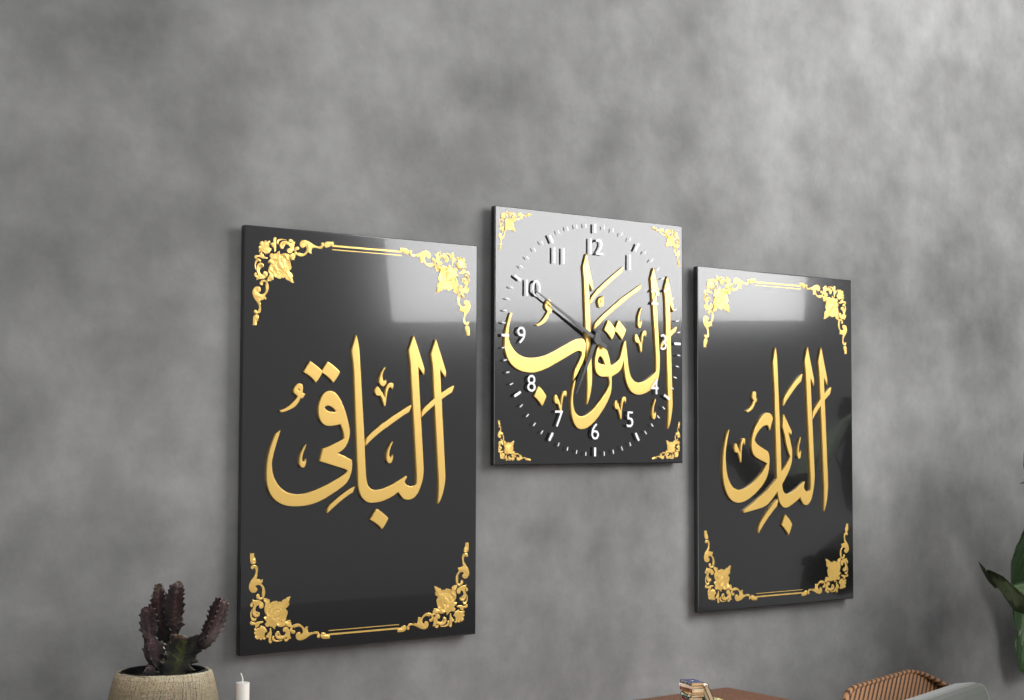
h=6 m=50
